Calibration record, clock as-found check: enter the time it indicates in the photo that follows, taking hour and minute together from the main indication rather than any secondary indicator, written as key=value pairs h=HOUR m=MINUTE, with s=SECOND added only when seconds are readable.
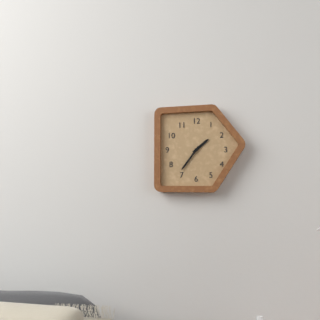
h=1 m=36
